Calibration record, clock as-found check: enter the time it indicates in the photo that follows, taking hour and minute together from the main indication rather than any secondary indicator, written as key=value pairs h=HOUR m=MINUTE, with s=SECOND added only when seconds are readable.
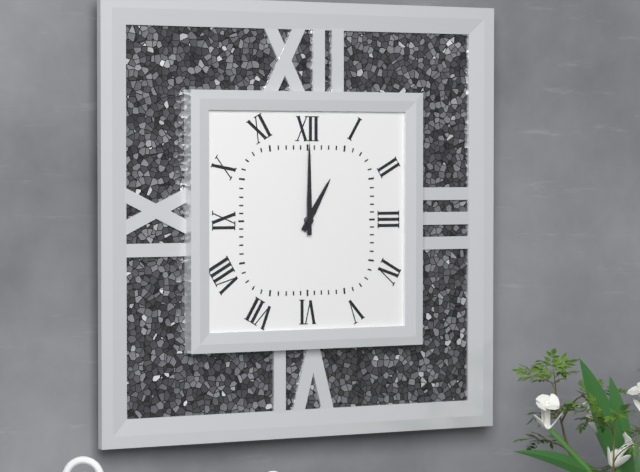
h=1 m=0
